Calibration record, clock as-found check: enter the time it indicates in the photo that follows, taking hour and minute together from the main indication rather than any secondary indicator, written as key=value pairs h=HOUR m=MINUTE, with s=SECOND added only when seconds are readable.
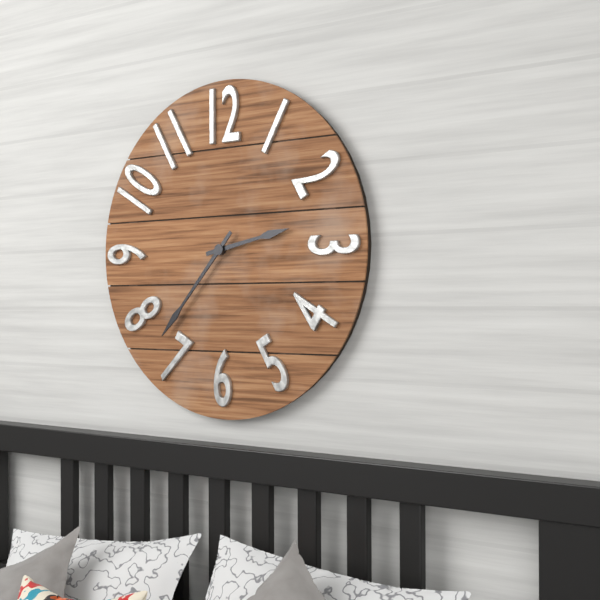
h=2 m=37
